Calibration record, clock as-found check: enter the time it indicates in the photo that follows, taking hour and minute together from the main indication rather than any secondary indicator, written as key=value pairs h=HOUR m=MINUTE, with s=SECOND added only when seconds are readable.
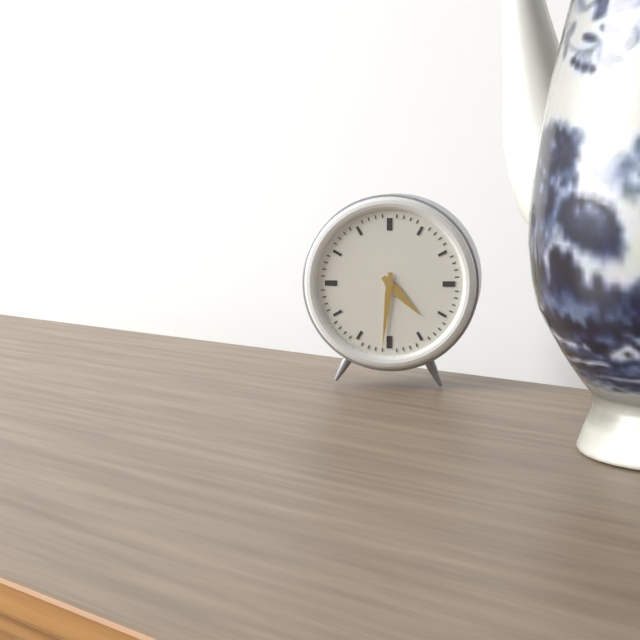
h=4 m=31
